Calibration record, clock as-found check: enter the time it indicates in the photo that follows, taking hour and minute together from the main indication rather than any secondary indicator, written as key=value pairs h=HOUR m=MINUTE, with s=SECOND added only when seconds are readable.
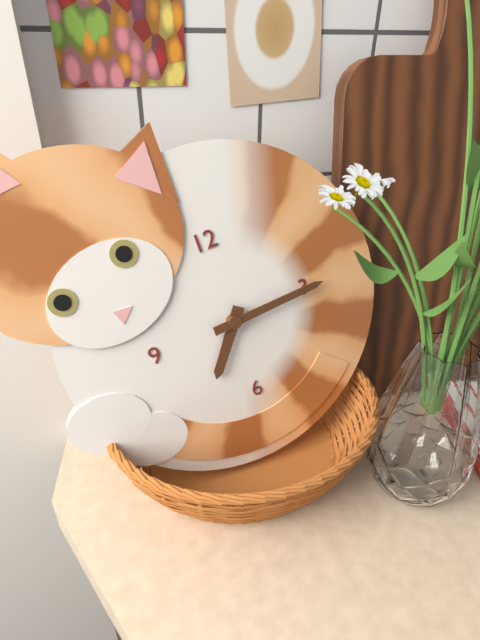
h=7 m=15
